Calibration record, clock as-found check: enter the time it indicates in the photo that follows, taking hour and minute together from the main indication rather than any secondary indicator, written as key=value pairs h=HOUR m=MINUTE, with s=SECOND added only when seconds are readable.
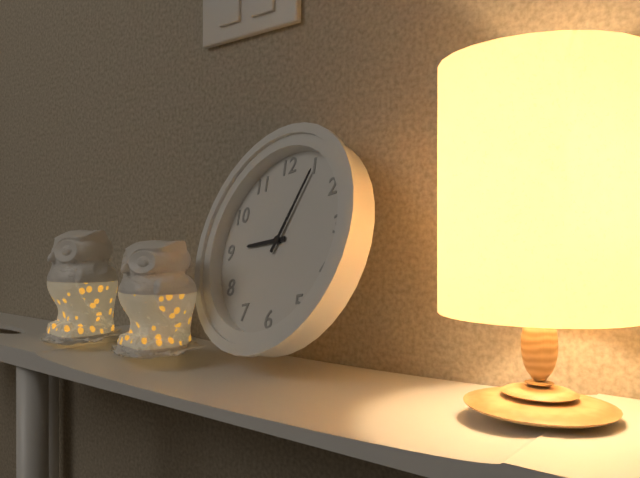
h=9 m=5
